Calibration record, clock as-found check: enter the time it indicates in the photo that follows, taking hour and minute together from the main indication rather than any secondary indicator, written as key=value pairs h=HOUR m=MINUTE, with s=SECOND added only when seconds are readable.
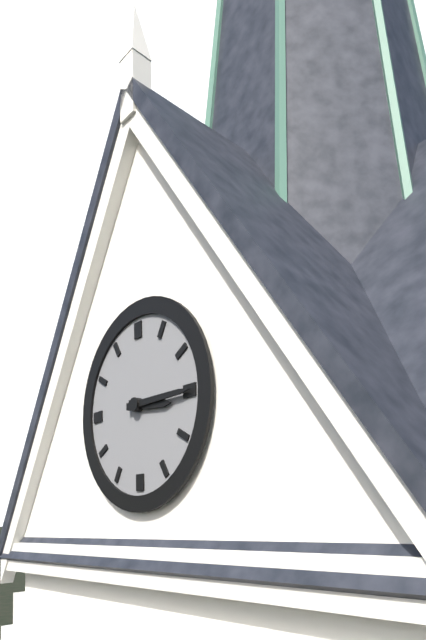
h=3 m=15
